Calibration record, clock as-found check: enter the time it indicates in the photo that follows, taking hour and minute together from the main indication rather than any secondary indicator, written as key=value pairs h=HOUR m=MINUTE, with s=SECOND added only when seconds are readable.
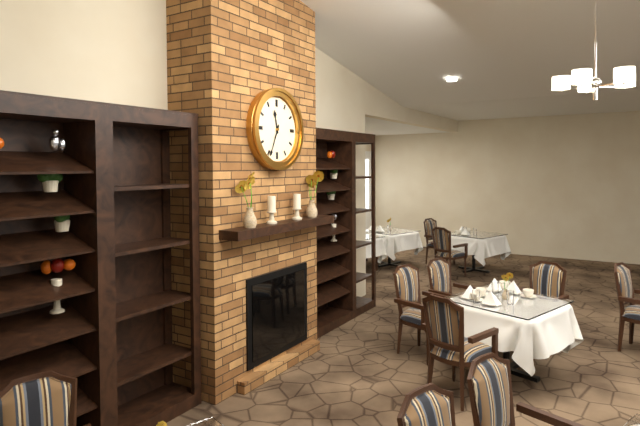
h=11 m=34
